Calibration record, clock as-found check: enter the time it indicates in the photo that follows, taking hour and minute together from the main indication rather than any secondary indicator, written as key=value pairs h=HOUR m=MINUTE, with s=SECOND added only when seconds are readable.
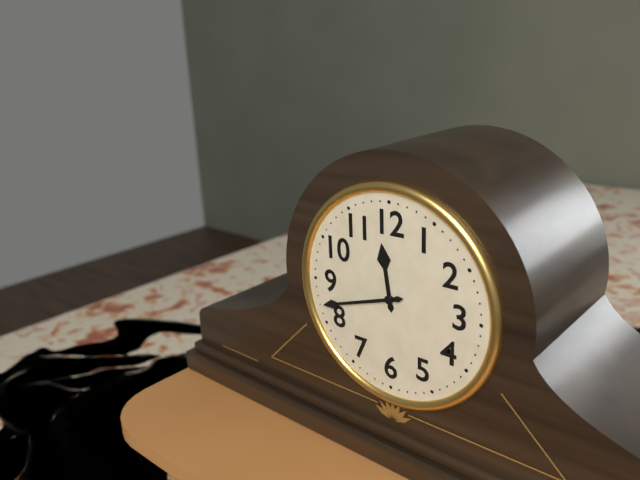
h=11 m=42
